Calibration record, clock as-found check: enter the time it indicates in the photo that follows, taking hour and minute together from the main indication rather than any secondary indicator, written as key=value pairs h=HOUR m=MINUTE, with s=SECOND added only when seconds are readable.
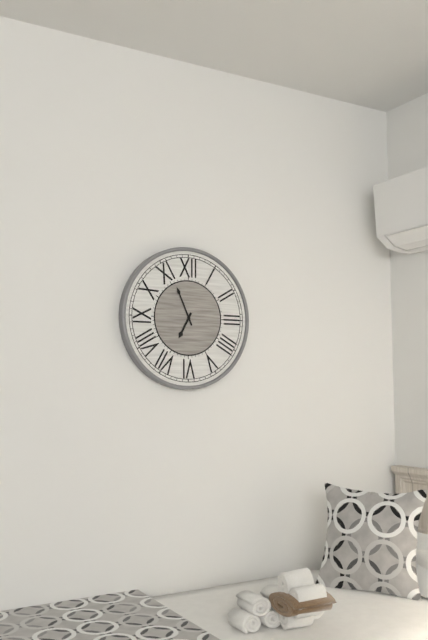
h=6 m=56
